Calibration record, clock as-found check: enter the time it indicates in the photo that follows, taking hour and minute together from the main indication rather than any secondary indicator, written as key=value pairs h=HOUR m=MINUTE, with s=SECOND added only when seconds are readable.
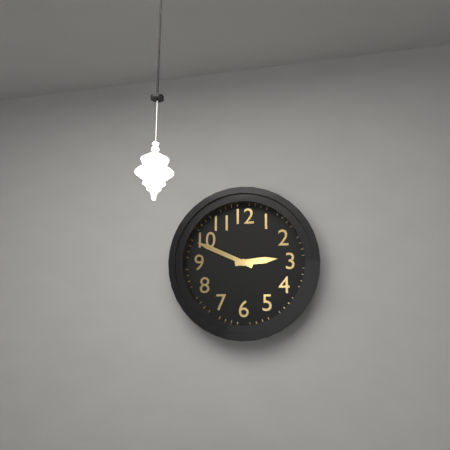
h=2 m=49
